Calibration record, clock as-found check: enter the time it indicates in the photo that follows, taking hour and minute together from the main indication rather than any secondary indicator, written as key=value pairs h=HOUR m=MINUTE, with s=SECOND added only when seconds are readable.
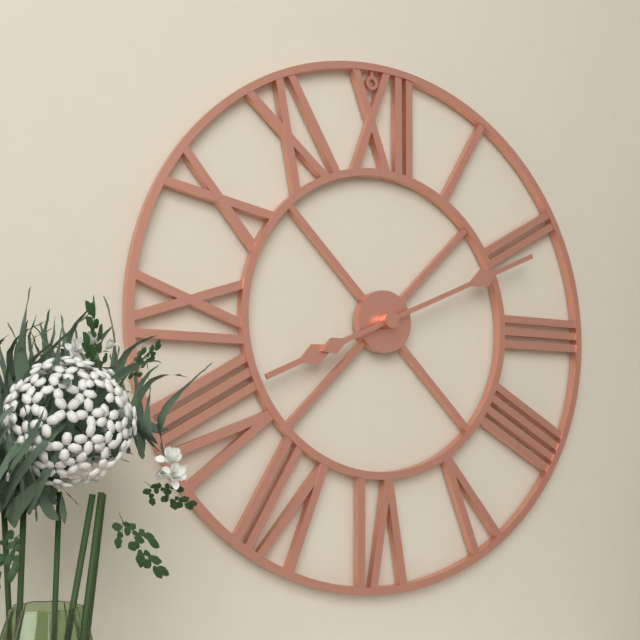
h=8 m=11
